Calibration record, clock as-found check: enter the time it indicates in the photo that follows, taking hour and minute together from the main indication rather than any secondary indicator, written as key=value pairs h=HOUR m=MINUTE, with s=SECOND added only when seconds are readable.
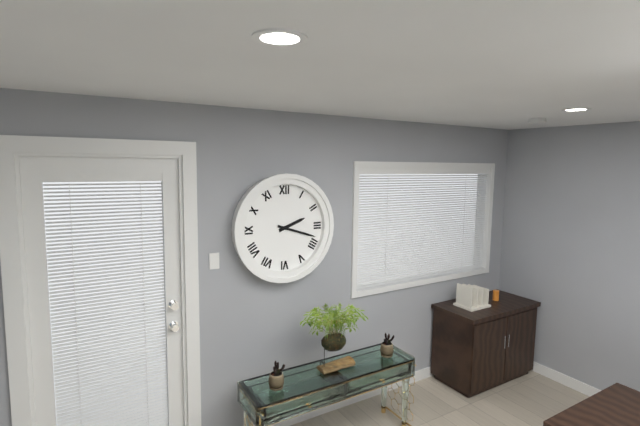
h=2 m=18
